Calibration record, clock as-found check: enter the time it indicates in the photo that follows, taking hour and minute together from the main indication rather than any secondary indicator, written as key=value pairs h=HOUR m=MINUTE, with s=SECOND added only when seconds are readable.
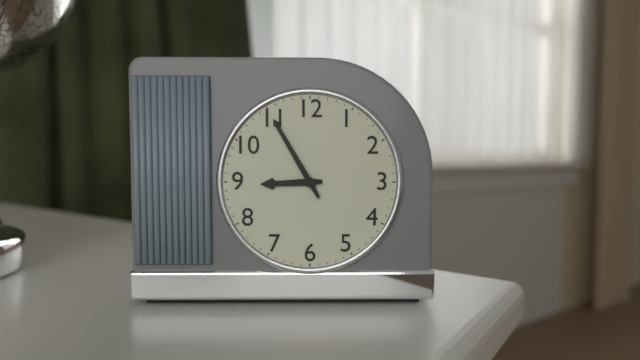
h=8 m=55
